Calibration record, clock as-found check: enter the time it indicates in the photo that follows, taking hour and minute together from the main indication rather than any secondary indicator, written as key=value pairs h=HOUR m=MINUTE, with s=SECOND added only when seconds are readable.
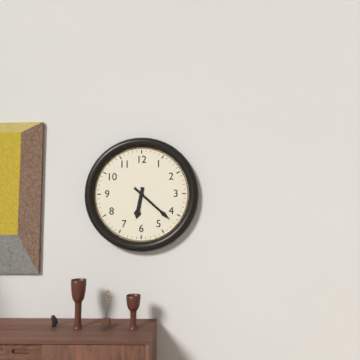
h=6 m=22
